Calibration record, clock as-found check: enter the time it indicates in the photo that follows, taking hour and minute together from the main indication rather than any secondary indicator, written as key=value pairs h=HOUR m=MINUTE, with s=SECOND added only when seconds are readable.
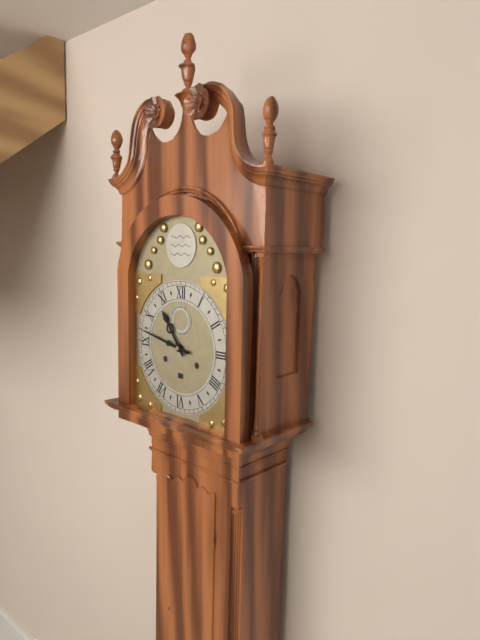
h=10 m=47
